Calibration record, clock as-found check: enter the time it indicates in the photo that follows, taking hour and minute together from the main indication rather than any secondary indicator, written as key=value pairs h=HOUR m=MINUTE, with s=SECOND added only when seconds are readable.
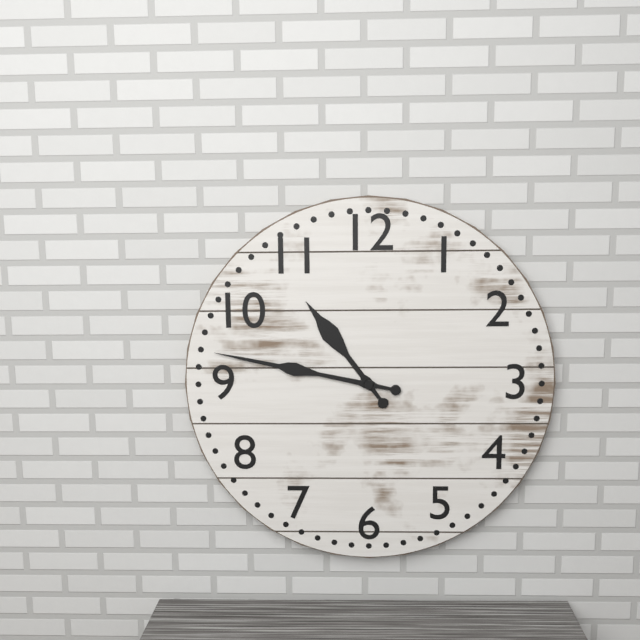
h=10 m=47
